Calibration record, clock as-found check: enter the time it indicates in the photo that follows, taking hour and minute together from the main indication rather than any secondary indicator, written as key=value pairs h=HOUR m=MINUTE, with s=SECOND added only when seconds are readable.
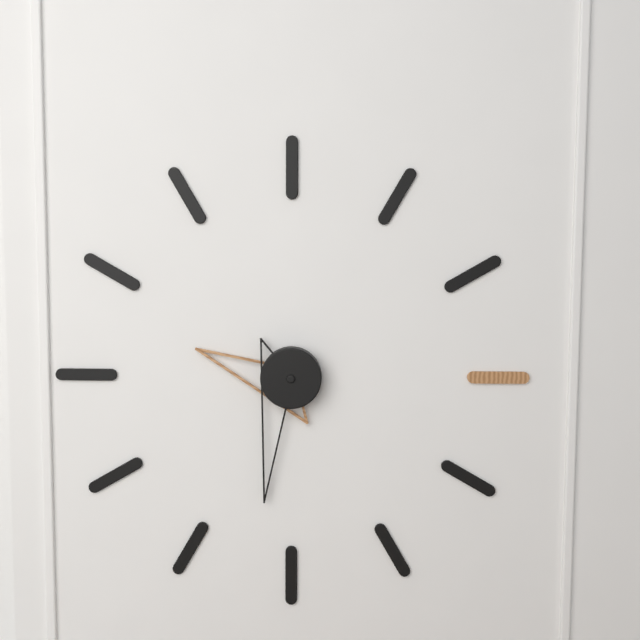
h=9 m=32
